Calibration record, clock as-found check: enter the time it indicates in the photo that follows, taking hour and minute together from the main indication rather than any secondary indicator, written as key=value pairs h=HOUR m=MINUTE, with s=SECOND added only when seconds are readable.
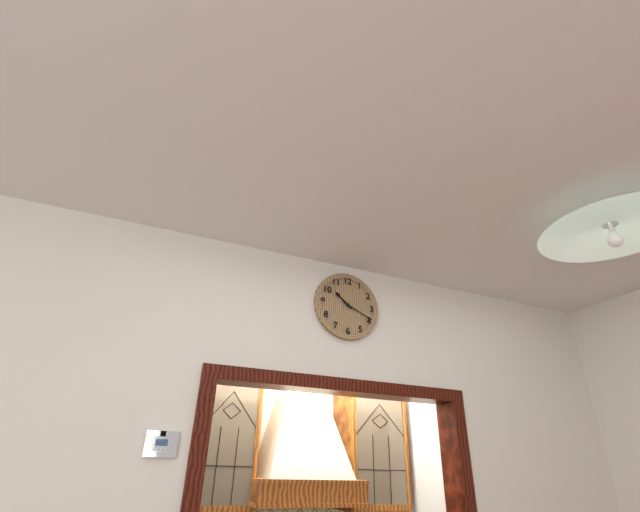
h=10 m=19
